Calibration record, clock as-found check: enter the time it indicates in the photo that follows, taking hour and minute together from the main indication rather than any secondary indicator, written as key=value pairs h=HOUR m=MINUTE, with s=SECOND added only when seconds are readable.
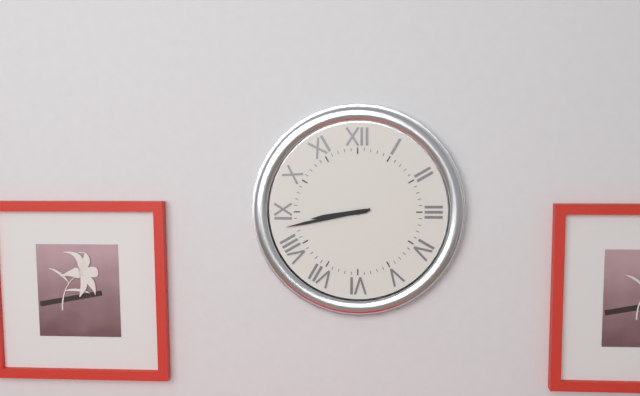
h=8 m=43
